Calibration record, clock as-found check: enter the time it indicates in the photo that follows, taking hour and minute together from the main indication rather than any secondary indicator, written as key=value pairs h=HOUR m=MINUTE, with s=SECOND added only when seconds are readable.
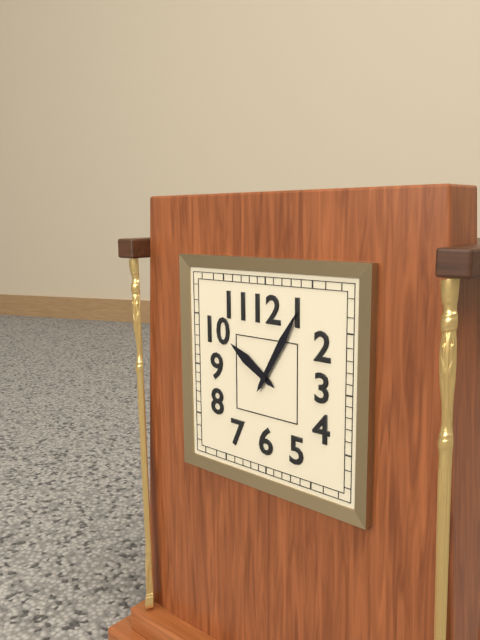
h=10 m=5
